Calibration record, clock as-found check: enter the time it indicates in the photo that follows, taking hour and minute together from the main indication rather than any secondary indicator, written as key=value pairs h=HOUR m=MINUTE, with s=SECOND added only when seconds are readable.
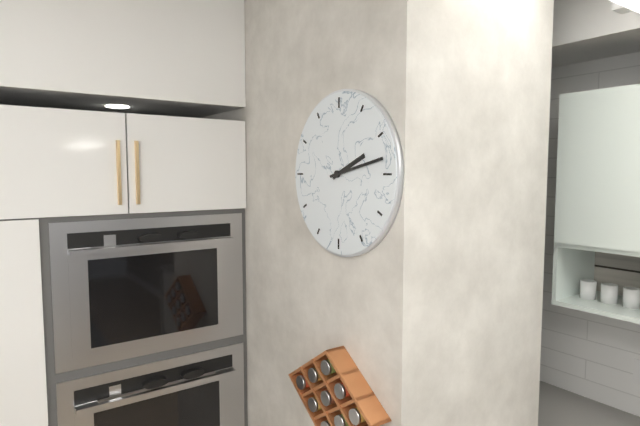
h=2 m=13
